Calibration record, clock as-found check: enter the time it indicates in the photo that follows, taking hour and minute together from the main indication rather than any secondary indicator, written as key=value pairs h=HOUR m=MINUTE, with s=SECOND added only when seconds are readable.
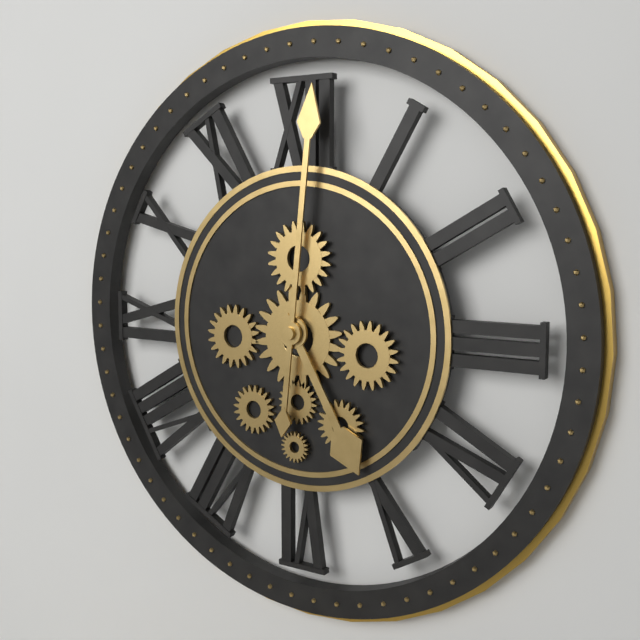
h=5 m=1
